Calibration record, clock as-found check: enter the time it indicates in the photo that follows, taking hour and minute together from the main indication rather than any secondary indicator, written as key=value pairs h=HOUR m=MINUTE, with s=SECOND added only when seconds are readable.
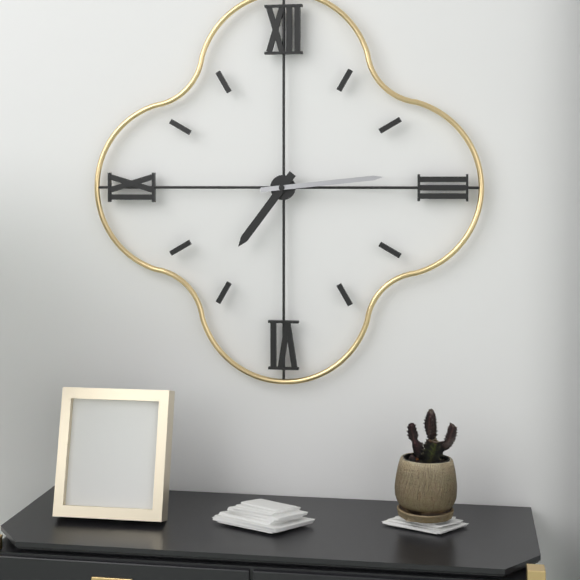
h=7 m=14
